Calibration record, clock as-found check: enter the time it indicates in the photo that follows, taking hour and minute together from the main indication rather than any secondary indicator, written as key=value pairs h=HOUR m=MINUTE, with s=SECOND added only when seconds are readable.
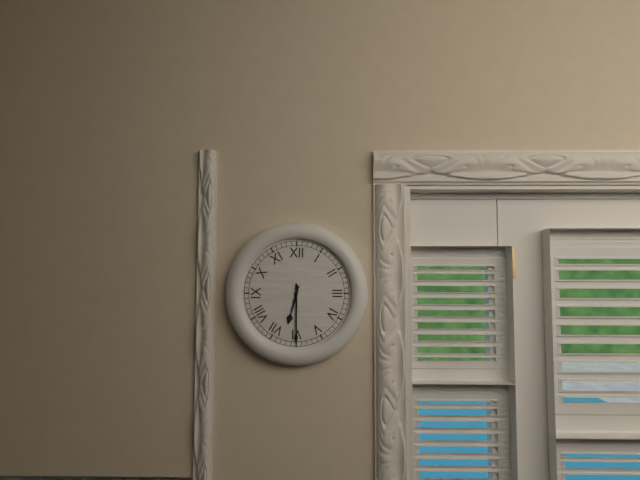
h=6 m=30
